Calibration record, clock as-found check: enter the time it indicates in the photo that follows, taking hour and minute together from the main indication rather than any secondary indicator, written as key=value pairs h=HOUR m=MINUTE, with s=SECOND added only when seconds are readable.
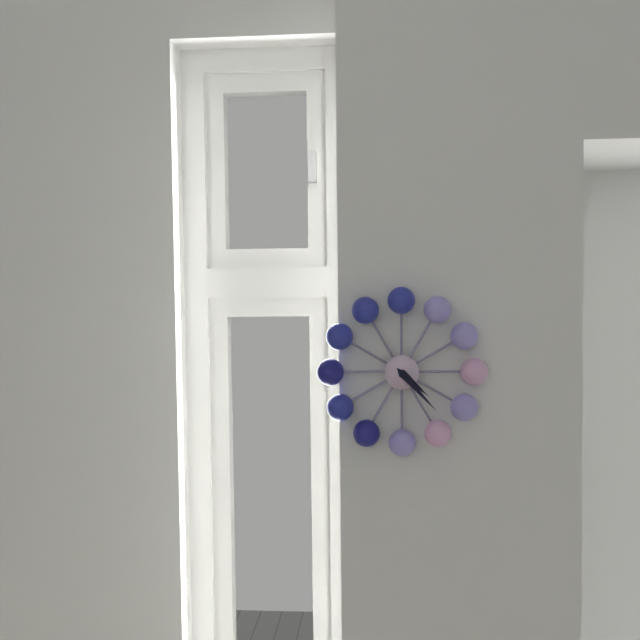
h=4 m=23
